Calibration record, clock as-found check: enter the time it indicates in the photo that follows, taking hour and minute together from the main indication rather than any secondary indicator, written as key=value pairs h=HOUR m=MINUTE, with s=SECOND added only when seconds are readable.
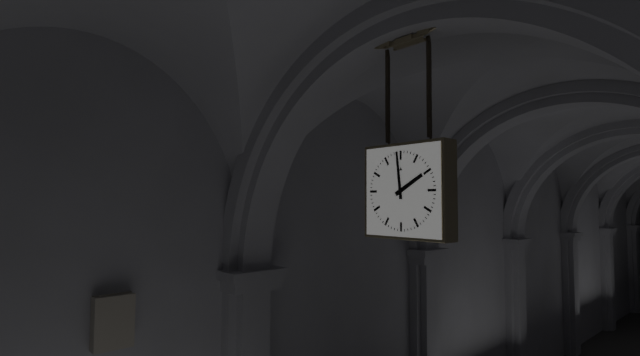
h=1 m=59
